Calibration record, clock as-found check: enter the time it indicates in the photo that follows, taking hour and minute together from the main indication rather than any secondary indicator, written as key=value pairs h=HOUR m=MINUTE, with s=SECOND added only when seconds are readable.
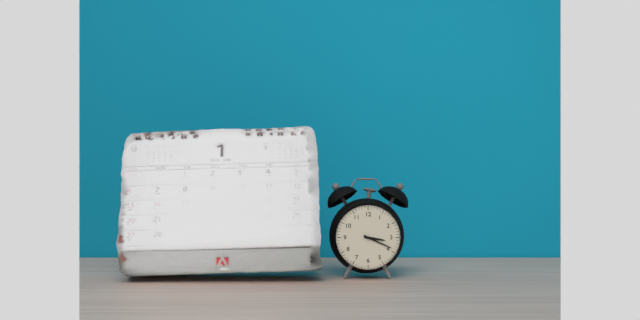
h=3 m=19
